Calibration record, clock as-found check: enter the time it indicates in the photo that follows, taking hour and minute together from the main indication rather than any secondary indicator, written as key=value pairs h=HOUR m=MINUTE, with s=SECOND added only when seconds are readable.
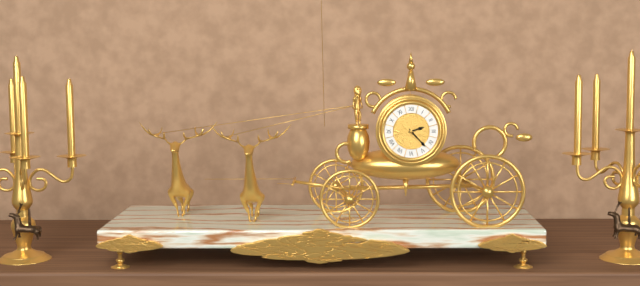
h=2 m=23
